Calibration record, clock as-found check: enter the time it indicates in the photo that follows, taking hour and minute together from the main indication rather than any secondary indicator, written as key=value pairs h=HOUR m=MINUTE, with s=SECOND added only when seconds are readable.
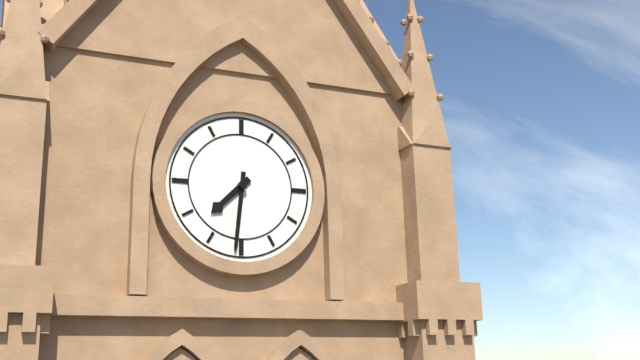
h=7 m=31
